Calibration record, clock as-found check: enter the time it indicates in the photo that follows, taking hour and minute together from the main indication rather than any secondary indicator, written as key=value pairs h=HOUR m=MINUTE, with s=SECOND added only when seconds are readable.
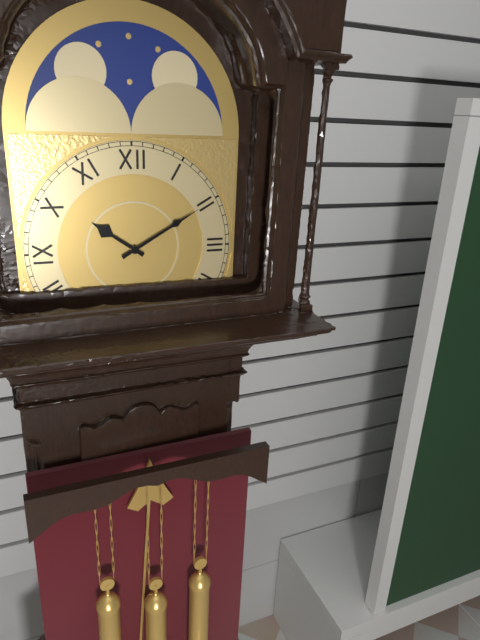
h=10 m=10
